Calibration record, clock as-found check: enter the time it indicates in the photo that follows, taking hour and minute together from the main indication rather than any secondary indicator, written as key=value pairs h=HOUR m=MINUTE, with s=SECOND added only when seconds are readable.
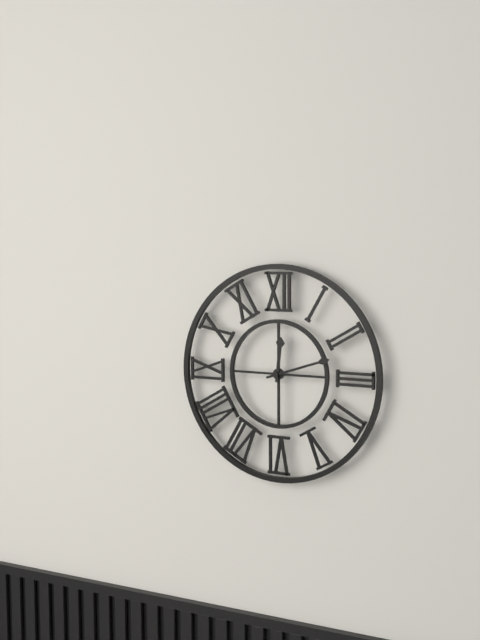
h=12 m=12
